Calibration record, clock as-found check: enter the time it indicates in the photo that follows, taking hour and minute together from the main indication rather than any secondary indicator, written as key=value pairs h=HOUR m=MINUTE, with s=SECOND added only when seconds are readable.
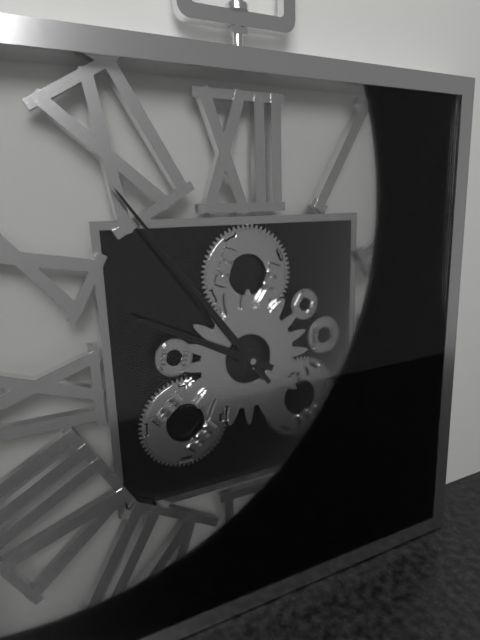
h=9 m=54
